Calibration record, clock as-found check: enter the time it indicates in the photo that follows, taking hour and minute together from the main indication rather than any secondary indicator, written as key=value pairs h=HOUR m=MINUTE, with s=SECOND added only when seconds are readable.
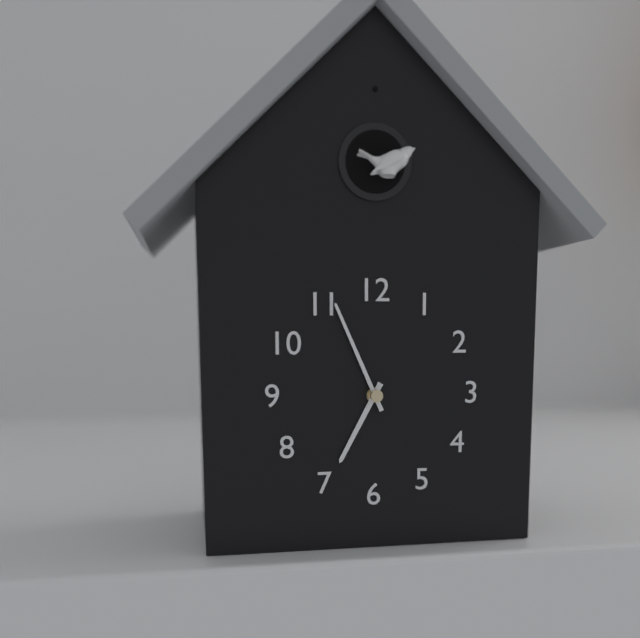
h=6 m=56
